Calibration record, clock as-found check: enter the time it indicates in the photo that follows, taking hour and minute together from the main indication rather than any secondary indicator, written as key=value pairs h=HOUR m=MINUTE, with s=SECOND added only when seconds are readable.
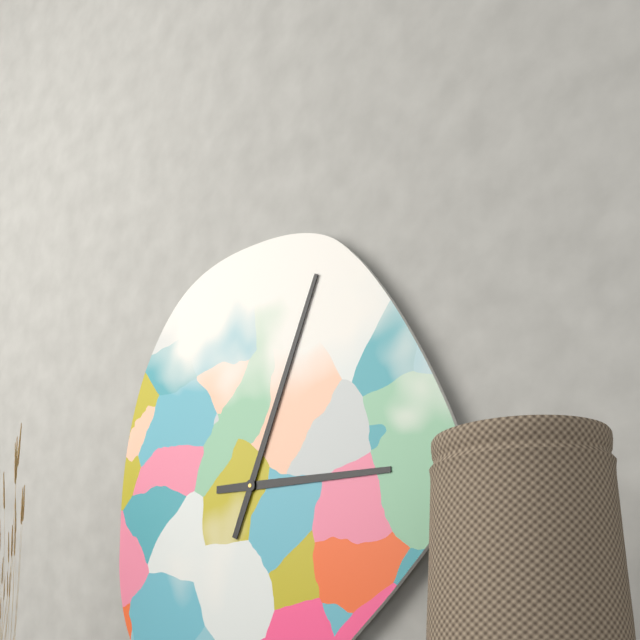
h=3 m=4
